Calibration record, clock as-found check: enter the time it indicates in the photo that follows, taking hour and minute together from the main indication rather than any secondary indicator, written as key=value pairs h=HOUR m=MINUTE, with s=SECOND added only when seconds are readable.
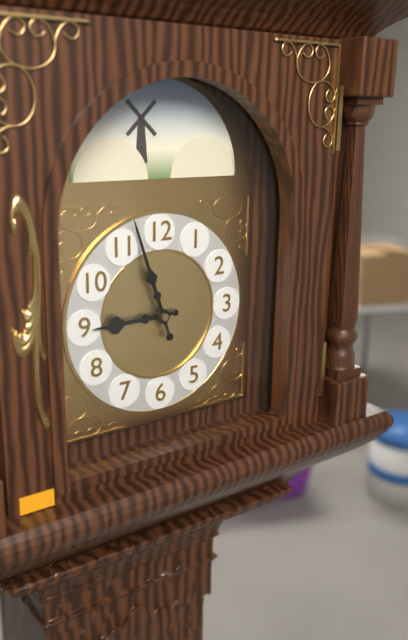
h=8 m=57
